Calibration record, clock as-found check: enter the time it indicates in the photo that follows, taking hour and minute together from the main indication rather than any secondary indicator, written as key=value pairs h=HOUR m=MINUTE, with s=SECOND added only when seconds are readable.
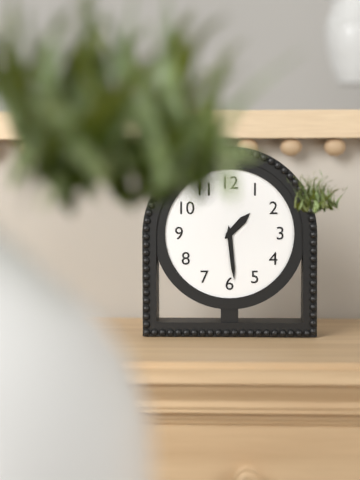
h=1 m=29
